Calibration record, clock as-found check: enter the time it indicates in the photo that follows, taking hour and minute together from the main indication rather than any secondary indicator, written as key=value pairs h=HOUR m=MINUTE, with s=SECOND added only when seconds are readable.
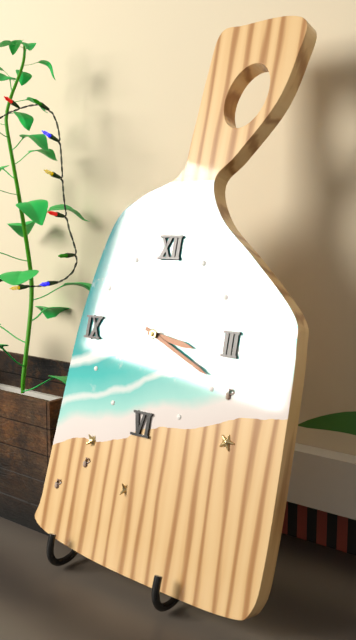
h=3 m=19
